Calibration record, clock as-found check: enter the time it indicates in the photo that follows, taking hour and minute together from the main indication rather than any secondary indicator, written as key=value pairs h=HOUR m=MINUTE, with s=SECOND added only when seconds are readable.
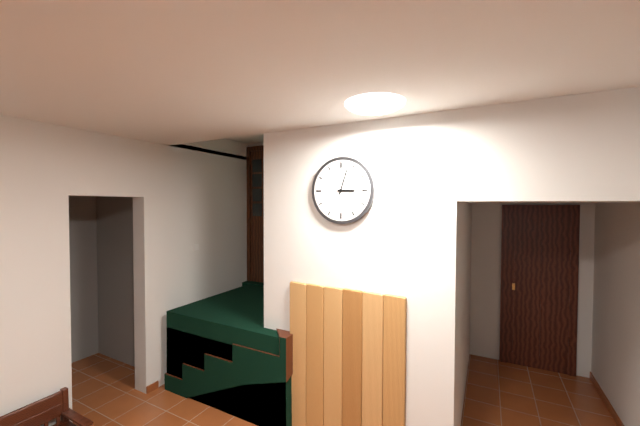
h=3 m=3
